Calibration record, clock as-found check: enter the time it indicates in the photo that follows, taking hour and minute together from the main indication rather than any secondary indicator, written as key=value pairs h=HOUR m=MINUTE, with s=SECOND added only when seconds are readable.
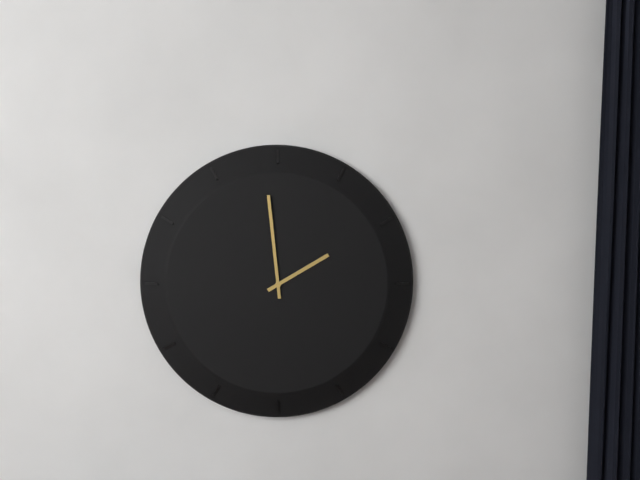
h=1 m=59
